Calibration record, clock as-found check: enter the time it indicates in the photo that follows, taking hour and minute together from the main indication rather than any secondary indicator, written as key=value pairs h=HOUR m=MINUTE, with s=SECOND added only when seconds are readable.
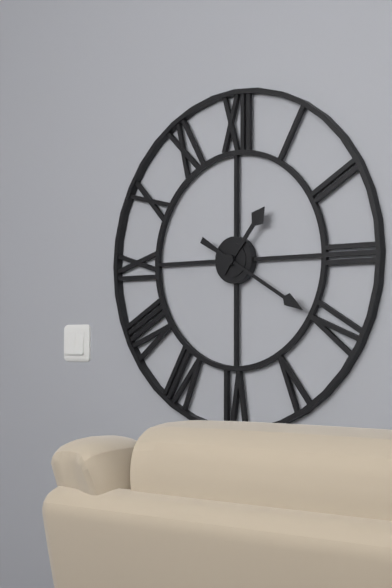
h=1 m=20
